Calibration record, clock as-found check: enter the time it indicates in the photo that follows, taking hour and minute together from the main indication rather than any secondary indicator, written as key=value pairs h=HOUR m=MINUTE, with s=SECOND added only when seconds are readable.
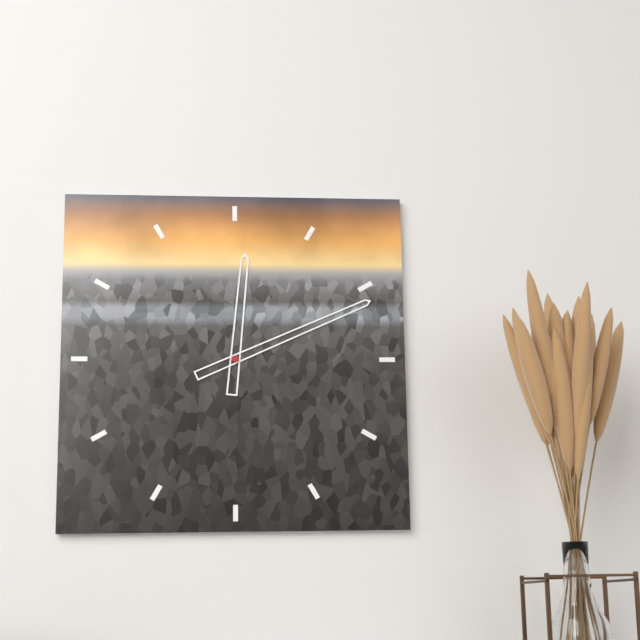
h=12 m=11
